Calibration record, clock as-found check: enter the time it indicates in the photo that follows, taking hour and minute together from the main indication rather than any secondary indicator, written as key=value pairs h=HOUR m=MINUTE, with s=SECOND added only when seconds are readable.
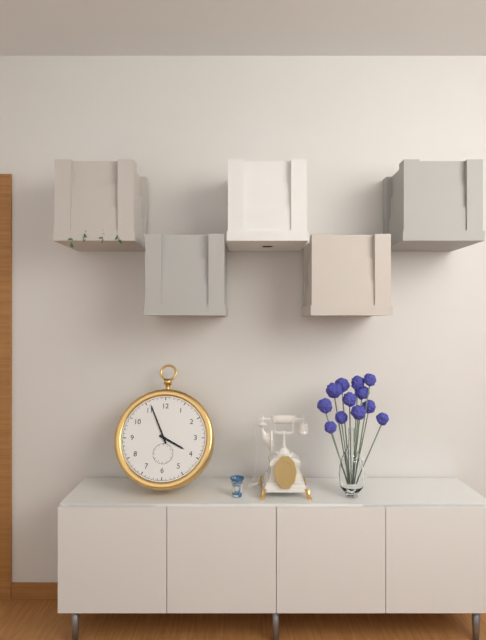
h=3 m=56
